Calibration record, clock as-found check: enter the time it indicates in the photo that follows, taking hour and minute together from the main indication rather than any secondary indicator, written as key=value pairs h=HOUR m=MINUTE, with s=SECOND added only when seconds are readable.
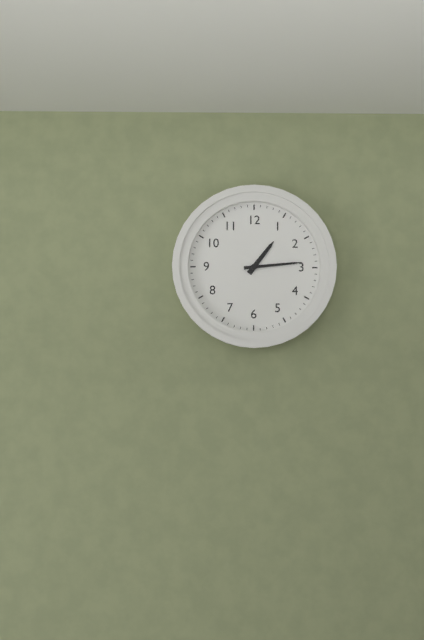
h=1 m=14
